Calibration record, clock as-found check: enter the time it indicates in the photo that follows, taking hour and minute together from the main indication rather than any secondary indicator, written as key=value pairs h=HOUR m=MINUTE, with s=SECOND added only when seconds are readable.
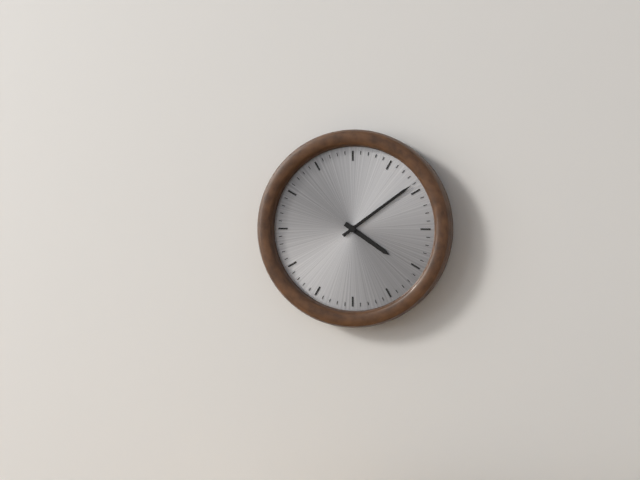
h=4 m=9
